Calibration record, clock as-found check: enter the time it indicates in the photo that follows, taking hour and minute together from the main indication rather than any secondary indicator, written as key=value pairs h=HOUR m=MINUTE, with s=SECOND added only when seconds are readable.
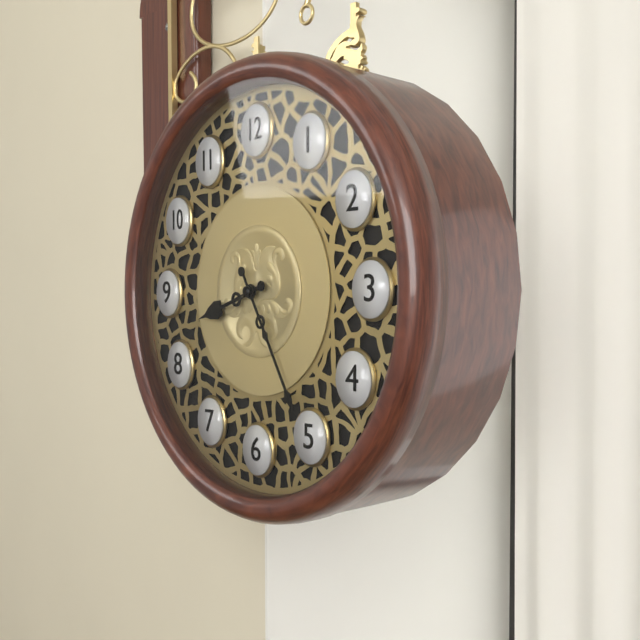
h=8 m=25
